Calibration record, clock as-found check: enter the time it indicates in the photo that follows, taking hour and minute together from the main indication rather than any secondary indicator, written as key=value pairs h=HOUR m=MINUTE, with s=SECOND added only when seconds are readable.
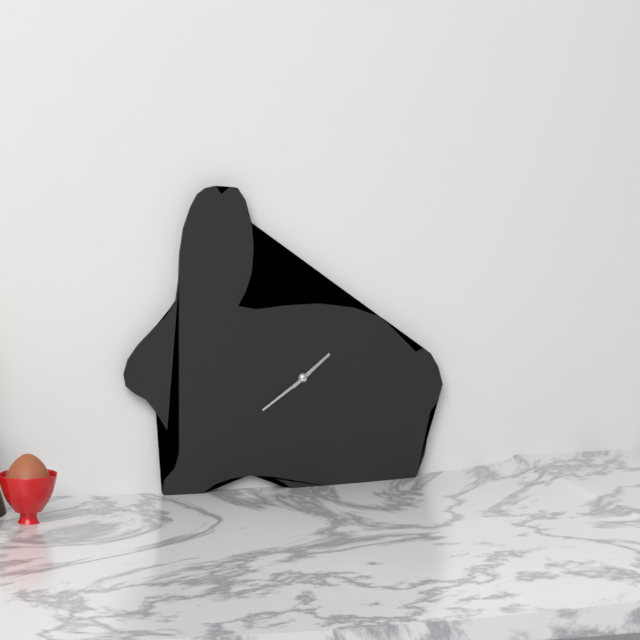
h=1 m=39
